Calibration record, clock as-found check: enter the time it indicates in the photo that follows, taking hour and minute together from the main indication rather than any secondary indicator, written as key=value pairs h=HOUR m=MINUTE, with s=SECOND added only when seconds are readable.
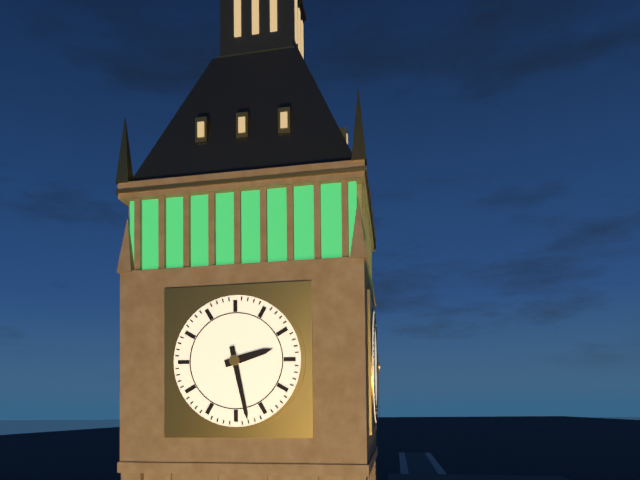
h=2 m=28
